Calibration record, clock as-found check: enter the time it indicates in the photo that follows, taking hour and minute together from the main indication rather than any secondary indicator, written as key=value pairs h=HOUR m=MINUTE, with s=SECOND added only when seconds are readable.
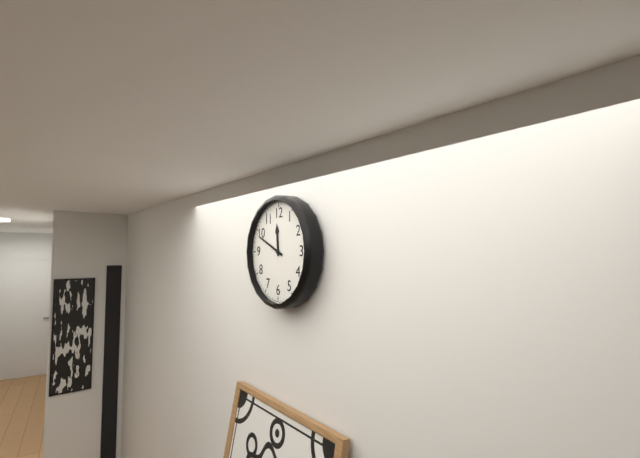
h=11 m=49
